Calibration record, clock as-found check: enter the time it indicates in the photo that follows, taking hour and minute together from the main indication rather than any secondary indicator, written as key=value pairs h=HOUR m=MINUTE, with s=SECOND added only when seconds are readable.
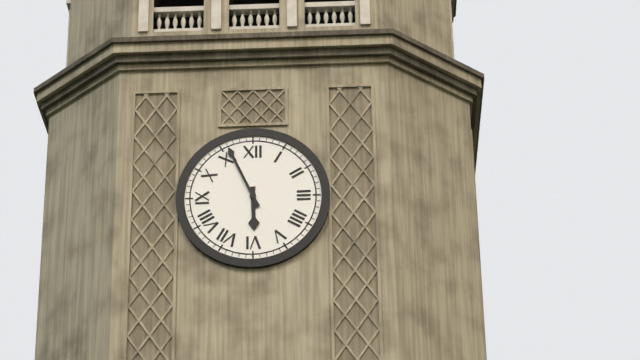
h=5 m=56
